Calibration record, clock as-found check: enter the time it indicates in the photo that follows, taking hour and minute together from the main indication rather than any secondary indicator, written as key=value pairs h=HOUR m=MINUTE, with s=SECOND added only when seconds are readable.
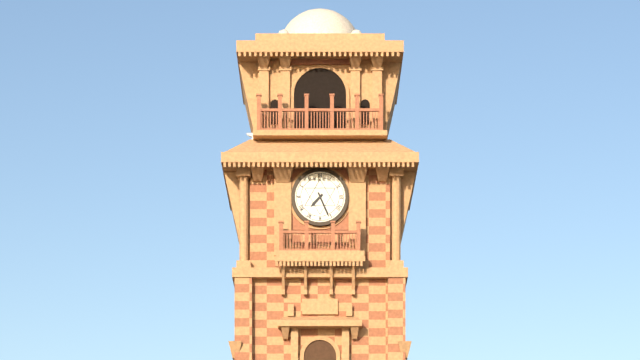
h=7 m=26
